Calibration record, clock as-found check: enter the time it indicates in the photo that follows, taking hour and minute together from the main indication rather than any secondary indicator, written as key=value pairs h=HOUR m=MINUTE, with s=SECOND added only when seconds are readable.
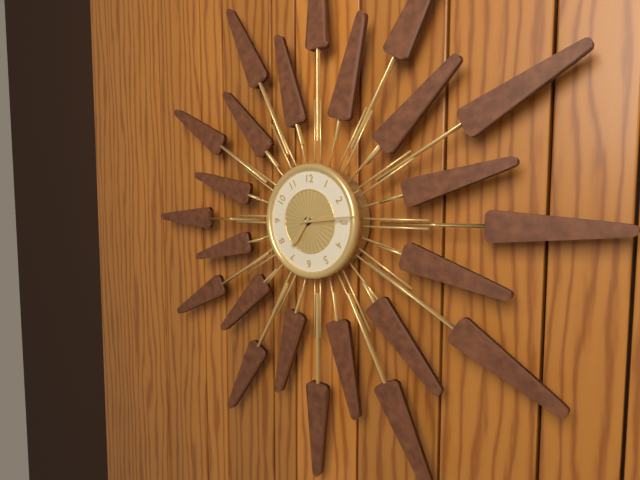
h=7 m=14
